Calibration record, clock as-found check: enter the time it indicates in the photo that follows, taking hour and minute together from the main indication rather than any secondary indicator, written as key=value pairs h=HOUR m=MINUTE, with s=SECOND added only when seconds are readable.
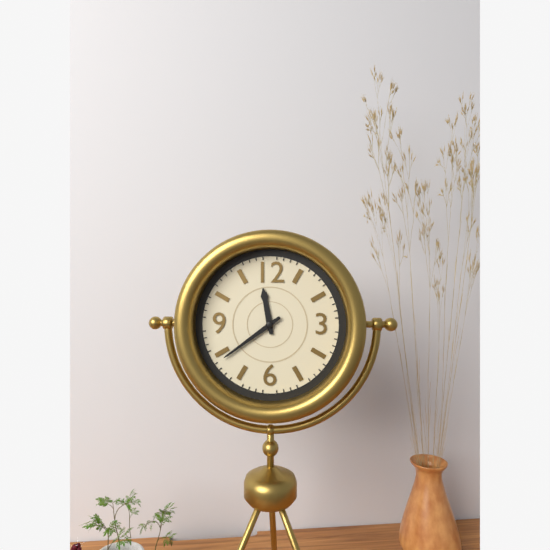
h=11 m=39
